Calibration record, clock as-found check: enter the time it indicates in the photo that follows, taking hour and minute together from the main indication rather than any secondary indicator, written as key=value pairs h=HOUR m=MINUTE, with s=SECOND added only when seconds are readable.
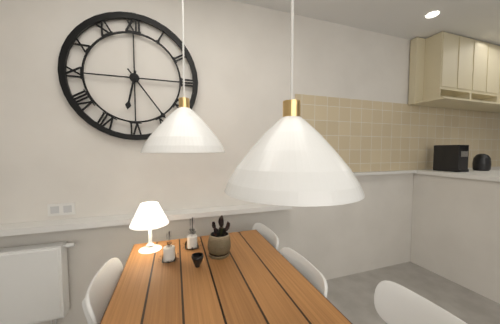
h=6 m=24
